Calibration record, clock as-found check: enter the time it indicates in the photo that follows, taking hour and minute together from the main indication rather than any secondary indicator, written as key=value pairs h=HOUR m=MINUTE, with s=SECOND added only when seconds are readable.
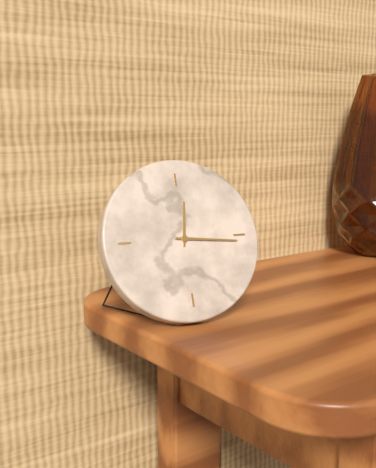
h=12 m=16
